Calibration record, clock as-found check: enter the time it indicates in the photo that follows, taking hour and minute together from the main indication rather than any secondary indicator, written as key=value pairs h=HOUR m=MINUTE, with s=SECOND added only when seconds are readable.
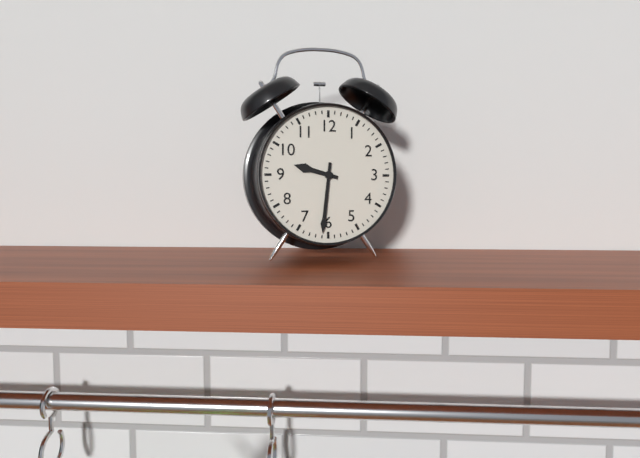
h=9 m=31
